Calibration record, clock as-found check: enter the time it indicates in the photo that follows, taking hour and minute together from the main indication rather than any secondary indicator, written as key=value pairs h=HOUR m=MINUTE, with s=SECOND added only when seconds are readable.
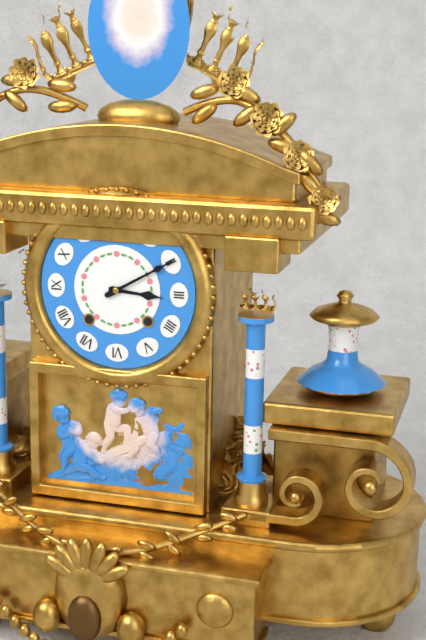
h=3 m=10
